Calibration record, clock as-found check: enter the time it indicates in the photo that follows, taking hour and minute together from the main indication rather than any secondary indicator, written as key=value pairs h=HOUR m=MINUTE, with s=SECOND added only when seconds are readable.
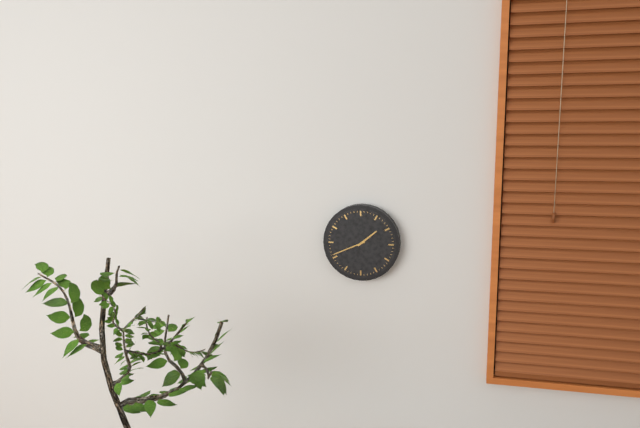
h=1 m=41
